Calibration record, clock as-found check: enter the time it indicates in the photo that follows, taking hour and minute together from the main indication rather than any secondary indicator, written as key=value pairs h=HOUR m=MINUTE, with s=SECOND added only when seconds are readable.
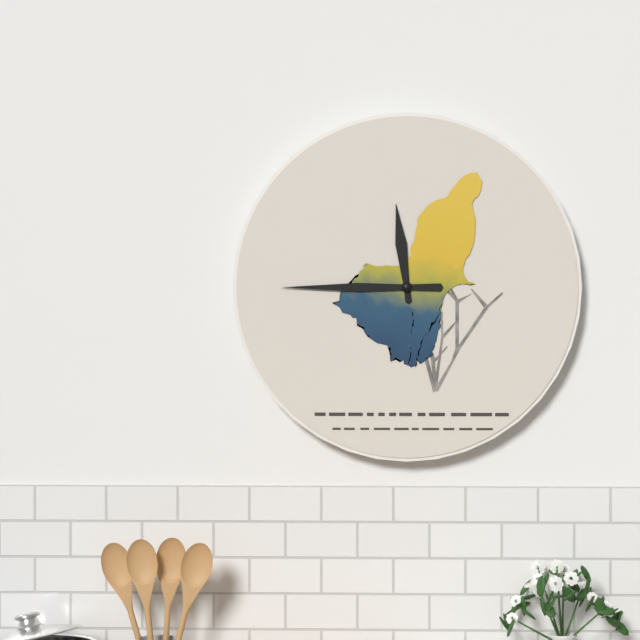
h=11 m=45
